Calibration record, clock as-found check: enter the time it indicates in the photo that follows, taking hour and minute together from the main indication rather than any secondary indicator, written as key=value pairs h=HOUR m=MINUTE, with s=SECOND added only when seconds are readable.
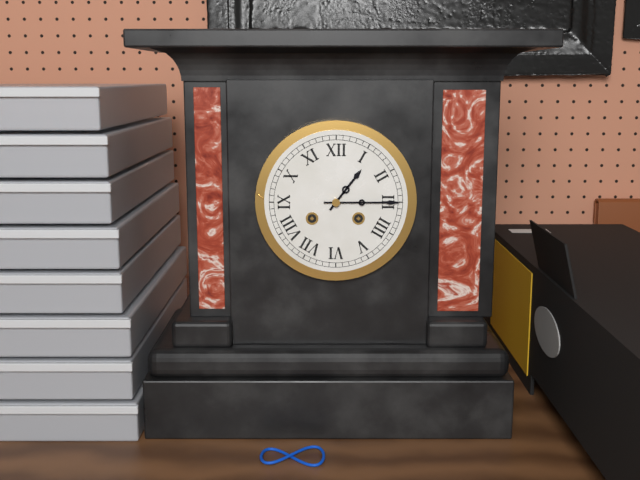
h=1 m=15
